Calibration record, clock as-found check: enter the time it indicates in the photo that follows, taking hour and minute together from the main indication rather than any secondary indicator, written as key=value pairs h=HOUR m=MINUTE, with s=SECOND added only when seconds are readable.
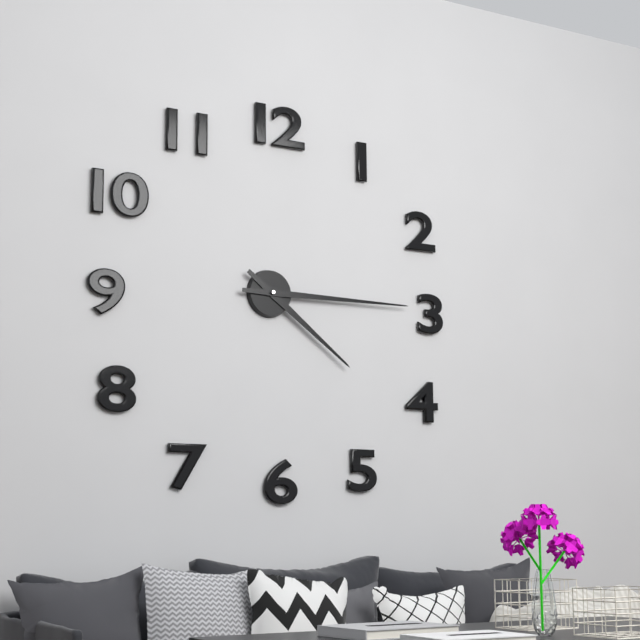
h=4 m=15
